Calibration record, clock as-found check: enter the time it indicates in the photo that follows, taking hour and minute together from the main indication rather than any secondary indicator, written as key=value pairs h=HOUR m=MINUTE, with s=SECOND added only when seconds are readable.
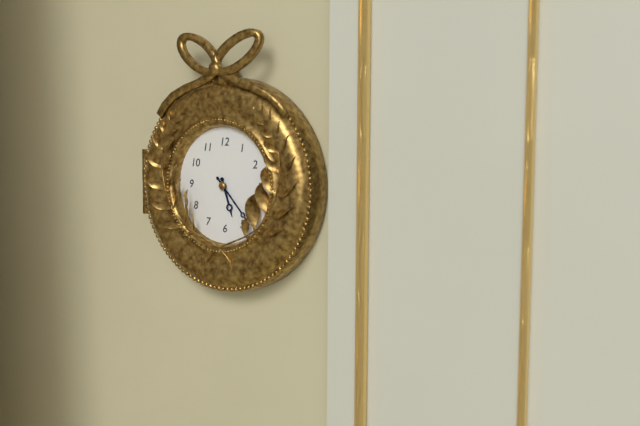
h=5 m=23
